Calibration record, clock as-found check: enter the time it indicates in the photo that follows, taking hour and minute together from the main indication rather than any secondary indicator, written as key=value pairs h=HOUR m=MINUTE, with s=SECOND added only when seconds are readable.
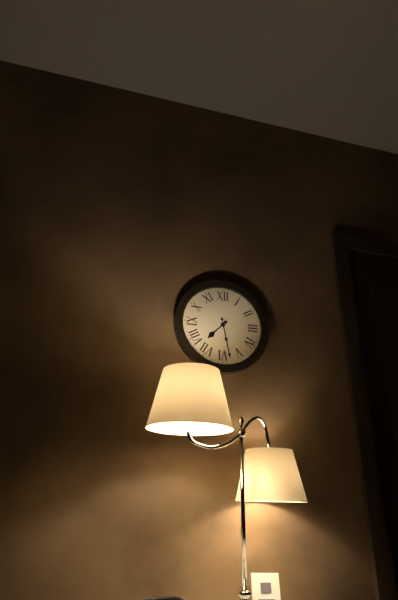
h=7 m=28
